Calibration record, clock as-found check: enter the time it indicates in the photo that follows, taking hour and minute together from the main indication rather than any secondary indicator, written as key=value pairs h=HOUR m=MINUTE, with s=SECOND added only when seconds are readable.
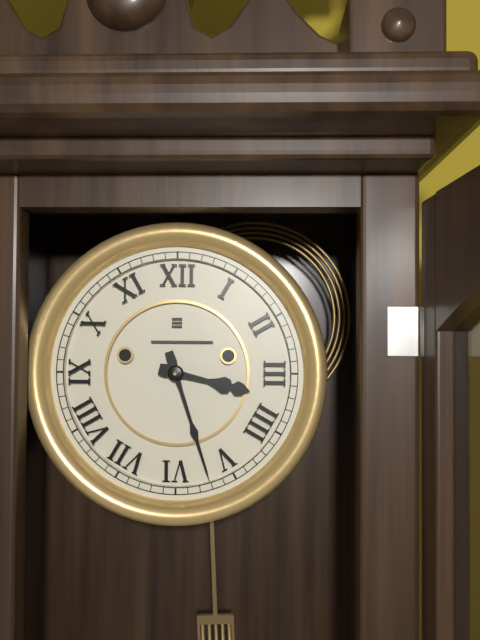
h=3 m=27
